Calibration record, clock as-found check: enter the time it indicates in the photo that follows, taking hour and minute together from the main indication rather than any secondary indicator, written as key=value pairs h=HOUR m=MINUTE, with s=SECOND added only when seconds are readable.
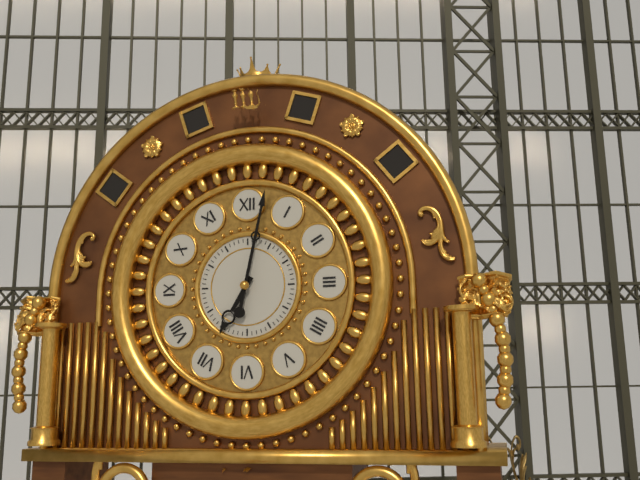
h=7 m=2
